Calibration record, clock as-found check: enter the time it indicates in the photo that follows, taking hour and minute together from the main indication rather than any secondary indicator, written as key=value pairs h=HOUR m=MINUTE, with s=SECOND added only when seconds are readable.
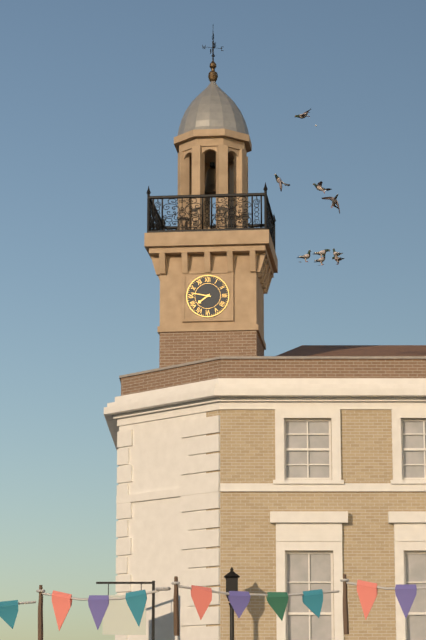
h=7 m=47
